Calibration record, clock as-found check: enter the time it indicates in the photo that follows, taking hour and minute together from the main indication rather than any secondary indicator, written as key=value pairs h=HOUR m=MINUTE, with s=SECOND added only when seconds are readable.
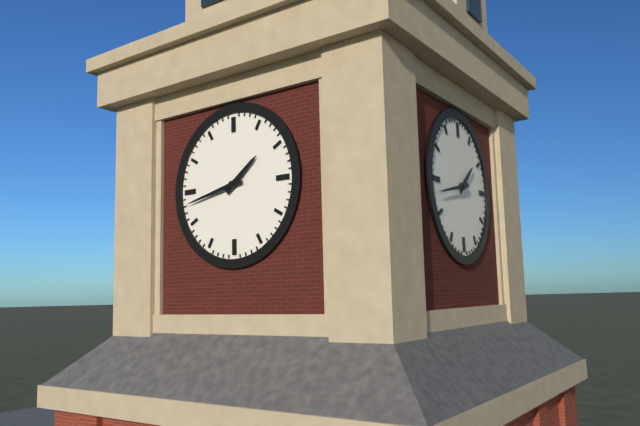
h=1 m=43
